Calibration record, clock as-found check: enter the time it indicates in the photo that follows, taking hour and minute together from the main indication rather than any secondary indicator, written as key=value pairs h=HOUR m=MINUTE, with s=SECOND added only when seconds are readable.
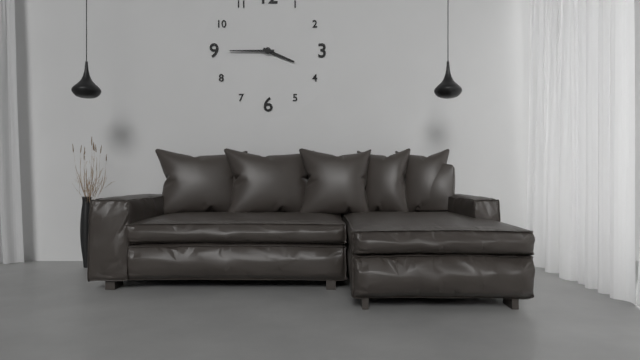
h=3 m=45
